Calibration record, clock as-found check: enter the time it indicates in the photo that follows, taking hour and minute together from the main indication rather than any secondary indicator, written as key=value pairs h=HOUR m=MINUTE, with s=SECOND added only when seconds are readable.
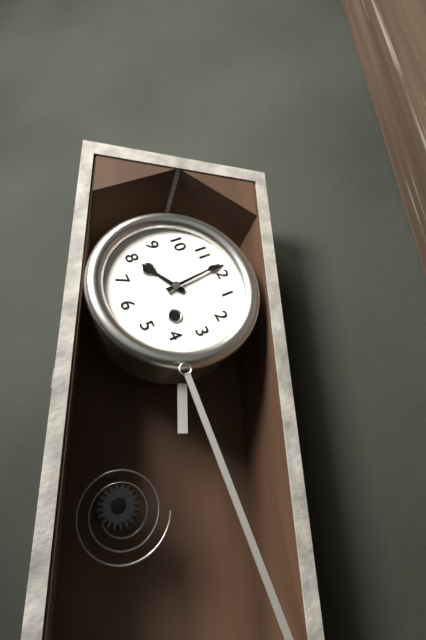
h=7 m=59
